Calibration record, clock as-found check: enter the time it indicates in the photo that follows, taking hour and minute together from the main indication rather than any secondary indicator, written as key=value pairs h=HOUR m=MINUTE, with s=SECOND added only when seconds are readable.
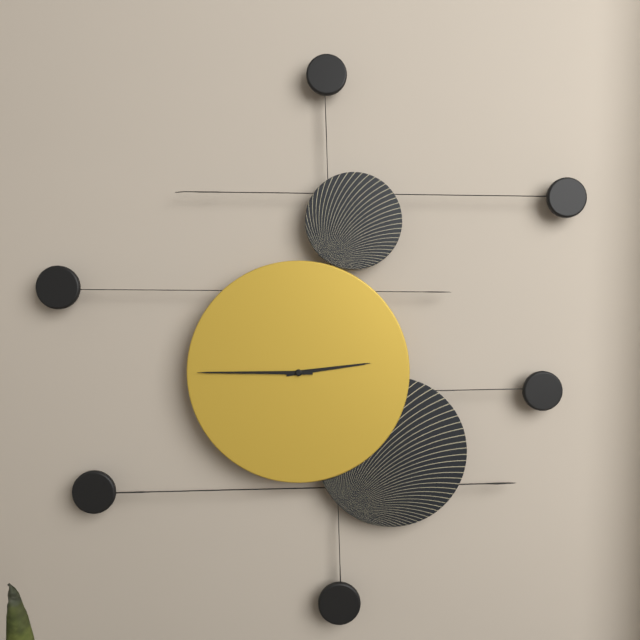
h=2 m=45
